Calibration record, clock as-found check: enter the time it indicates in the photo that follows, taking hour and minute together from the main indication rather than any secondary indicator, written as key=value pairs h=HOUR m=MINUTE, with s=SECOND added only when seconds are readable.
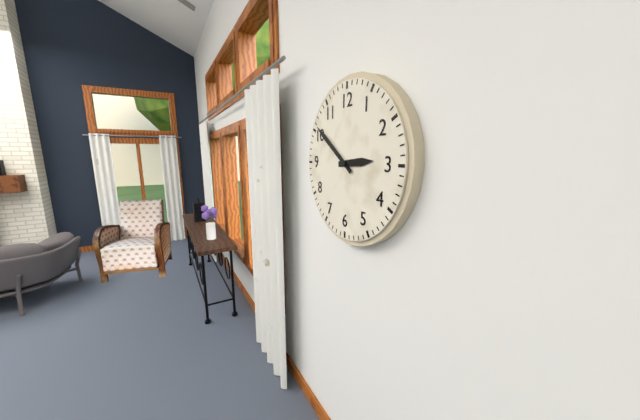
h=2 m=51
